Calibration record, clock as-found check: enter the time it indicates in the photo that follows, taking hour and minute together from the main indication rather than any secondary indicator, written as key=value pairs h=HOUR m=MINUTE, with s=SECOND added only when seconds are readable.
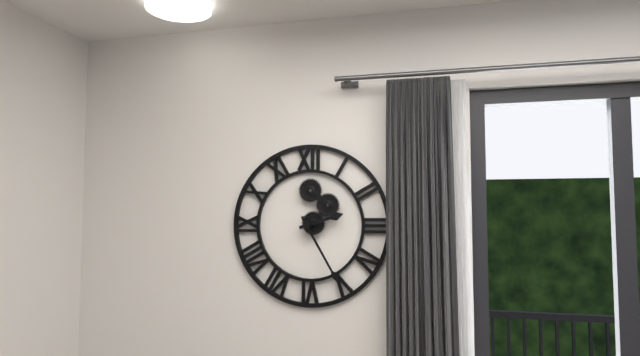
h=2 m=25
